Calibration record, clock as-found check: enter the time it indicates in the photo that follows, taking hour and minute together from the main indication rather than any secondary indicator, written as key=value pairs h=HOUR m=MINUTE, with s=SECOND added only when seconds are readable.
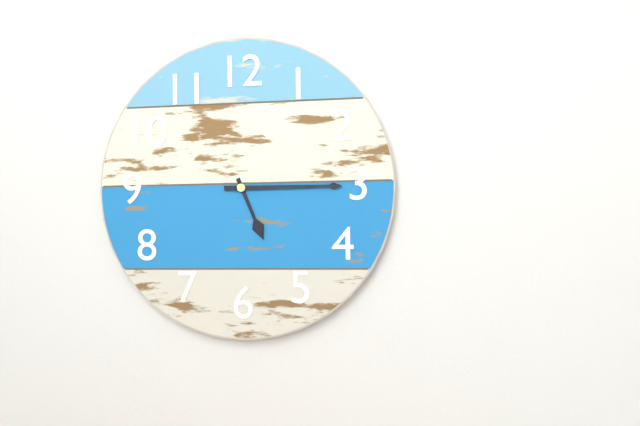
h=5 m=15
